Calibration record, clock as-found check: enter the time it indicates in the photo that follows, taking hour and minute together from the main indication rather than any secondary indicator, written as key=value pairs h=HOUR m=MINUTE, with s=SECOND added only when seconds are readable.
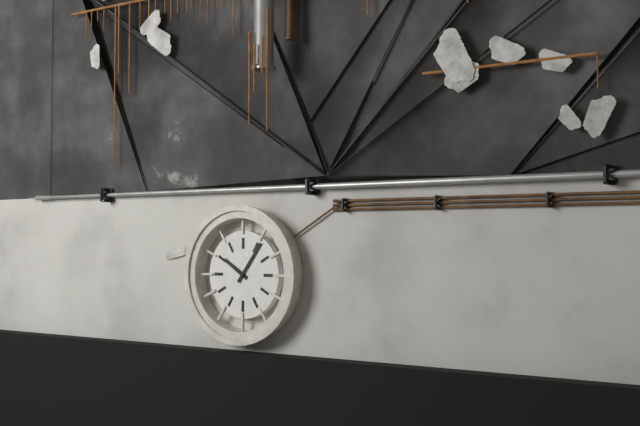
h=10 m=6
